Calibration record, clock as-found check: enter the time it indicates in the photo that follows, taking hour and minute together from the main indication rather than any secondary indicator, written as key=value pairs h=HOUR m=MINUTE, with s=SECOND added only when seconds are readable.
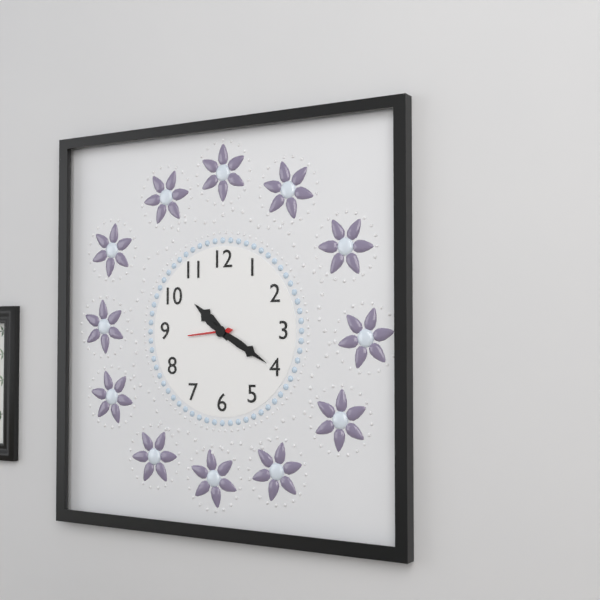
h=10 m=20
